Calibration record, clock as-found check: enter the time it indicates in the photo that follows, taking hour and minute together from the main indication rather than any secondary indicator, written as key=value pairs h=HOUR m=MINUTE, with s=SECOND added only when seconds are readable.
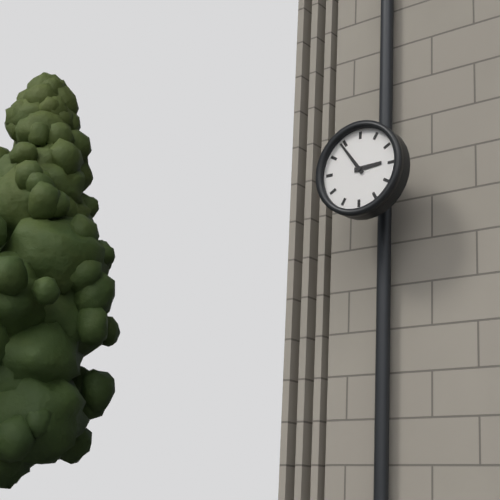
h=2 m=54
